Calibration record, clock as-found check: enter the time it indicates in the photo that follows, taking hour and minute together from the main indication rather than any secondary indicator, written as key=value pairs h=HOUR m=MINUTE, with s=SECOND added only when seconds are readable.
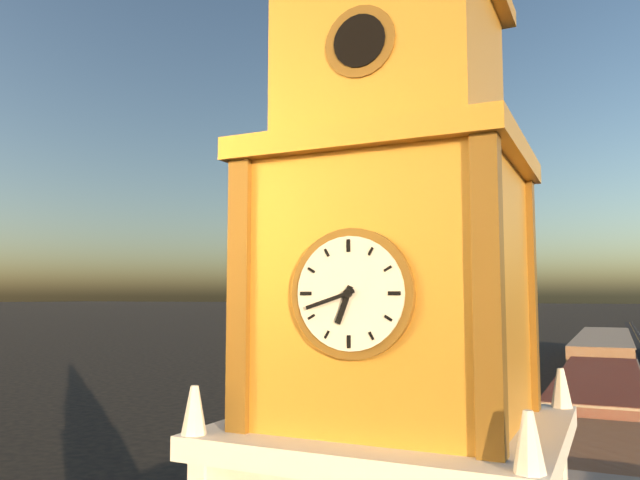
h=6 m=42
